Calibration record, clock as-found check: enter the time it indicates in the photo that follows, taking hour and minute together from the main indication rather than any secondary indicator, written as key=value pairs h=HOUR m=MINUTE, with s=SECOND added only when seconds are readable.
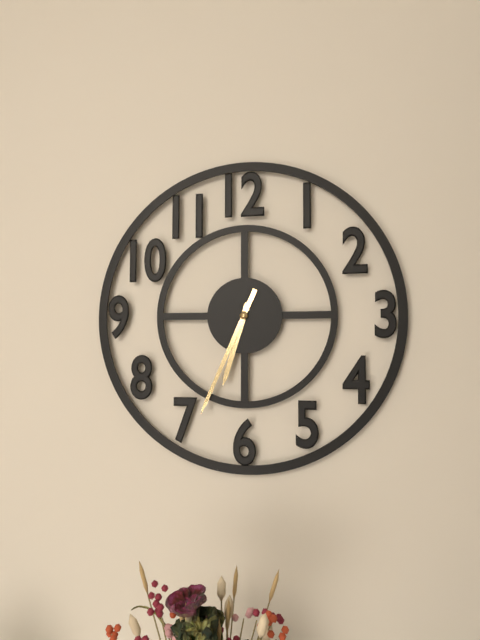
h=6 m=34
